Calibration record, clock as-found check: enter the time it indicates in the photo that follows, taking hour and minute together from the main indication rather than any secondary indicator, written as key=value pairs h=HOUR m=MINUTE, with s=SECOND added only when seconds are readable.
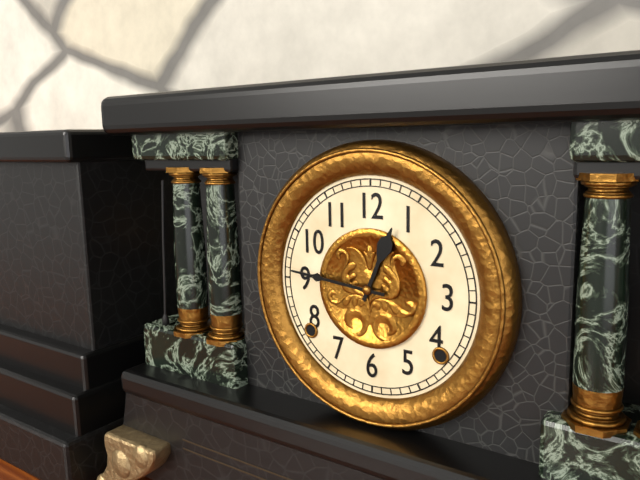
h=12 m=46
